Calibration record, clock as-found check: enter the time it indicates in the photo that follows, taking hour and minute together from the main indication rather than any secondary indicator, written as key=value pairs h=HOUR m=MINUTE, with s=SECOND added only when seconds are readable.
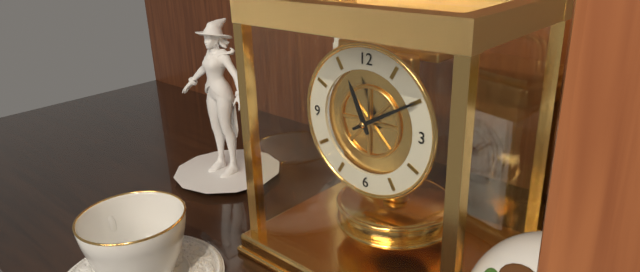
h=11 m=10
